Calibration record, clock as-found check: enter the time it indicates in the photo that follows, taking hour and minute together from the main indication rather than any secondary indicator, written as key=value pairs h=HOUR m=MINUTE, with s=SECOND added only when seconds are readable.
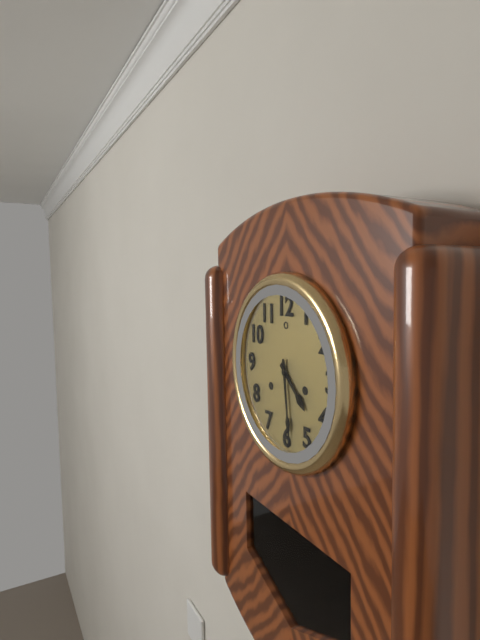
h=4 m=29
